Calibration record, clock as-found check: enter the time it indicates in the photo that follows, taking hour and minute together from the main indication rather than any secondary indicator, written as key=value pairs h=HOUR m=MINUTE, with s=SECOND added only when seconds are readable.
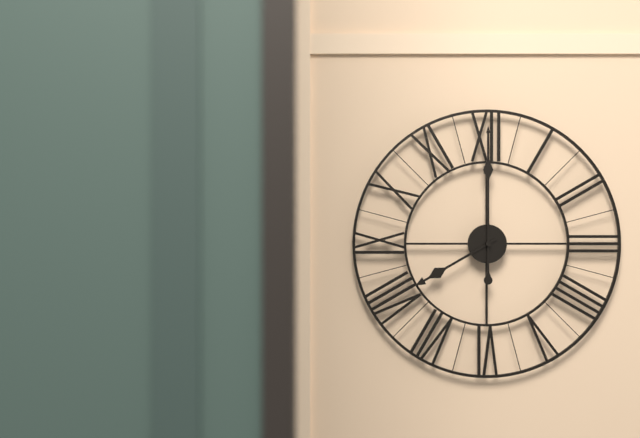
h=8 m=0
